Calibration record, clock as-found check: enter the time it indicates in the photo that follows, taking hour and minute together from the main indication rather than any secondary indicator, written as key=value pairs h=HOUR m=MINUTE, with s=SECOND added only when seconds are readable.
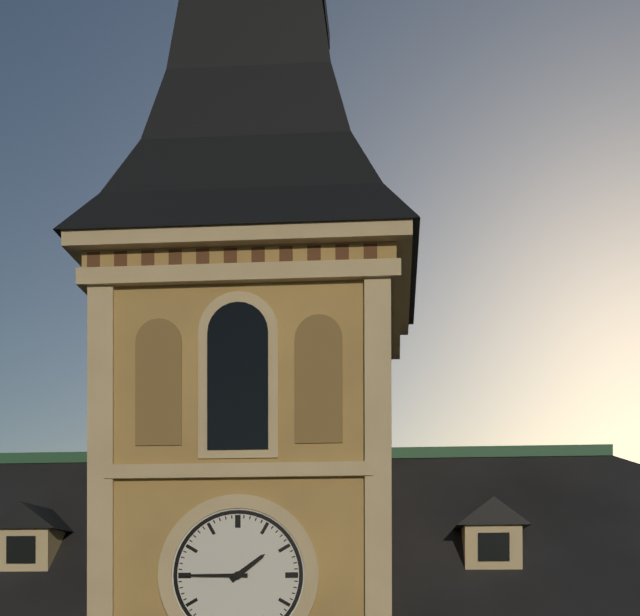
h=1 m=45
